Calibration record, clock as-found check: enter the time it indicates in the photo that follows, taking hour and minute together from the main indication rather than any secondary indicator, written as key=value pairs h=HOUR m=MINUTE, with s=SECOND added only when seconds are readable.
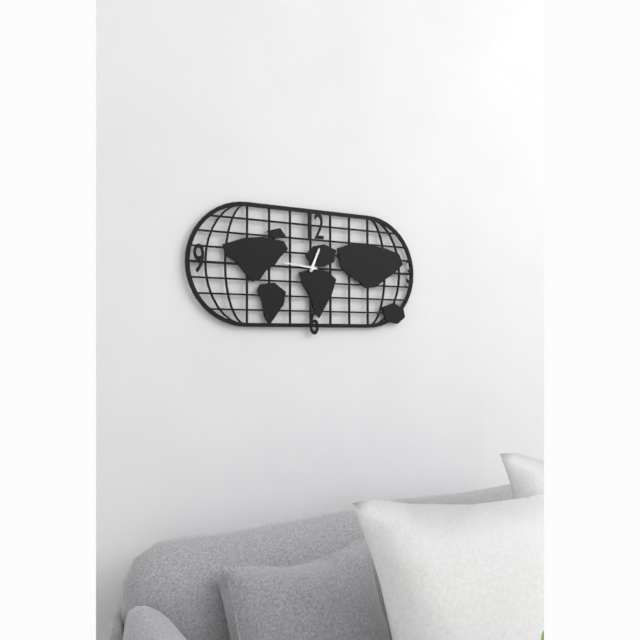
h=12 m=46
